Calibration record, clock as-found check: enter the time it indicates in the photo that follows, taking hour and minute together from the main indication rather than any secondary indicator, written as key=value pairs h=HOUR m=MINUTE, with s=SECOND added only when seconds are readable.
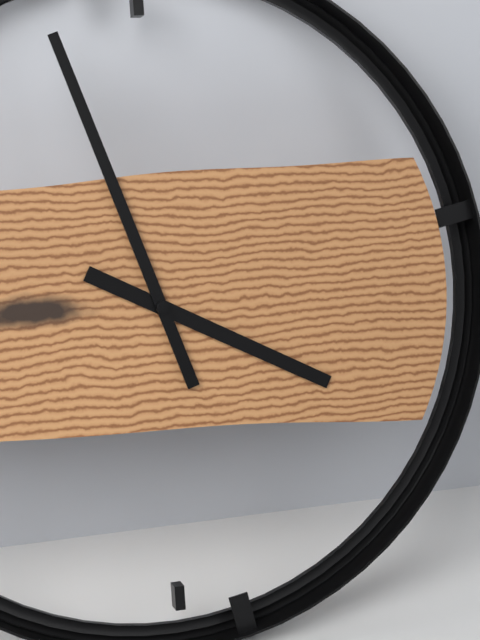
h=3 m=57
